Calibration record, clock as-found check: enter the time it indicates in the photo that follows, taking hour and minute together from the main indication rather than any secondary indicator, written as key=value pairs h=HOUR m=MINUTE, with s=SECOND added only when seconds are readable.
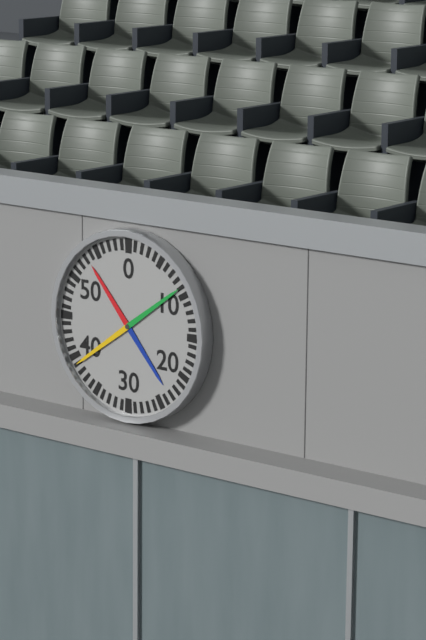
h=10 m=39
